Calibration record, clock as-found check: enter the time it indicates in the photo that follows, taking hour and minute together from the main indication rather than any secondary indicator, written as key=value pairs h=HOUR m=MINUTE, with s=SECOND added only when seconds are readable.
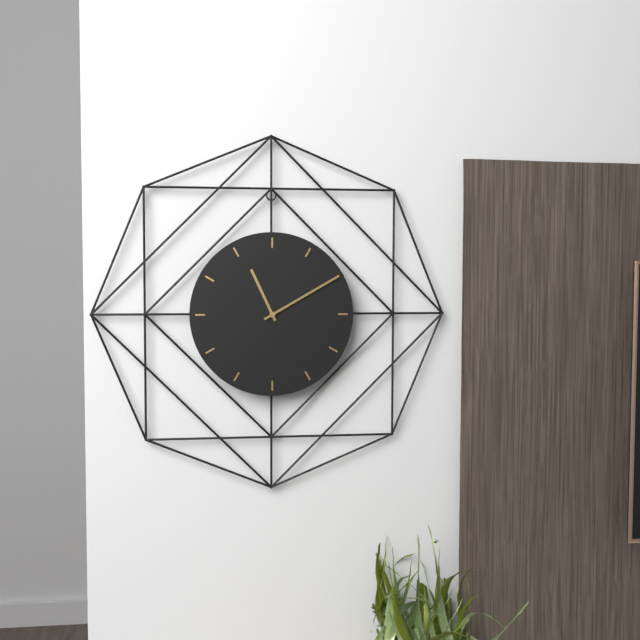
h=11 m=10
